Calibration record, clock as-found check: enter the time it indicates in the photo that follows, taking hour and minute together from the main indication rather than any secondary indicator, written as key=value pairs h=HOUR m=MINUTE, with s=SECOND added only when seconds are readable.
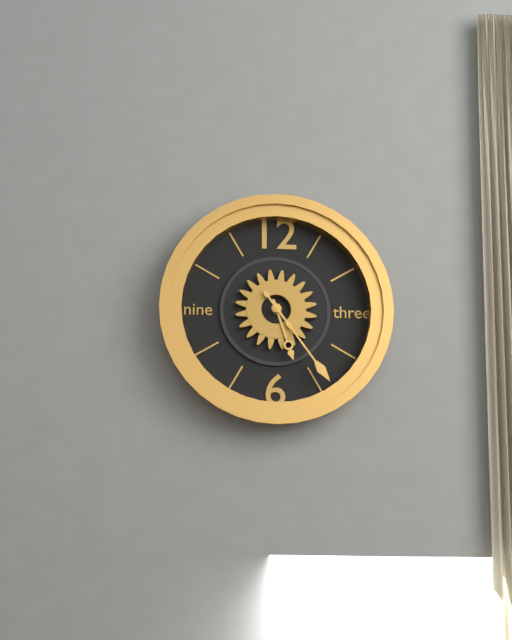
h=5 m=24
